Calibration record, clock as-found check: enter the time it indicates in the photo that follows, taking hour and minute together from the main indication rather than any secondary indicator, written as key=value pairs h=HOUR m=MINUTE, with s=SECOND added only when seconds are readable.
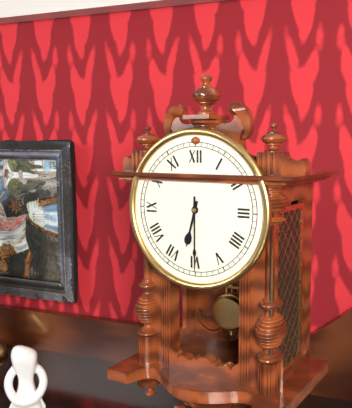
h=6 m=30
